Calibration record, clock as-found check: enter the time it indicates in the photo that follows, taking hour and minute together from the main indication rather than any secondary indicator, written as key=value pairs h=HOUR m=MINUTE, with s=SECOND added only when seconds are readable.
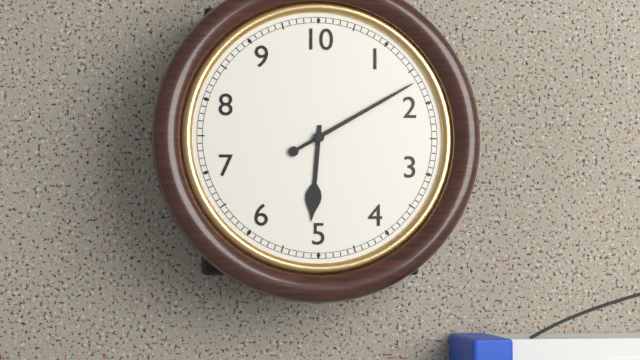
h=6 m=10
